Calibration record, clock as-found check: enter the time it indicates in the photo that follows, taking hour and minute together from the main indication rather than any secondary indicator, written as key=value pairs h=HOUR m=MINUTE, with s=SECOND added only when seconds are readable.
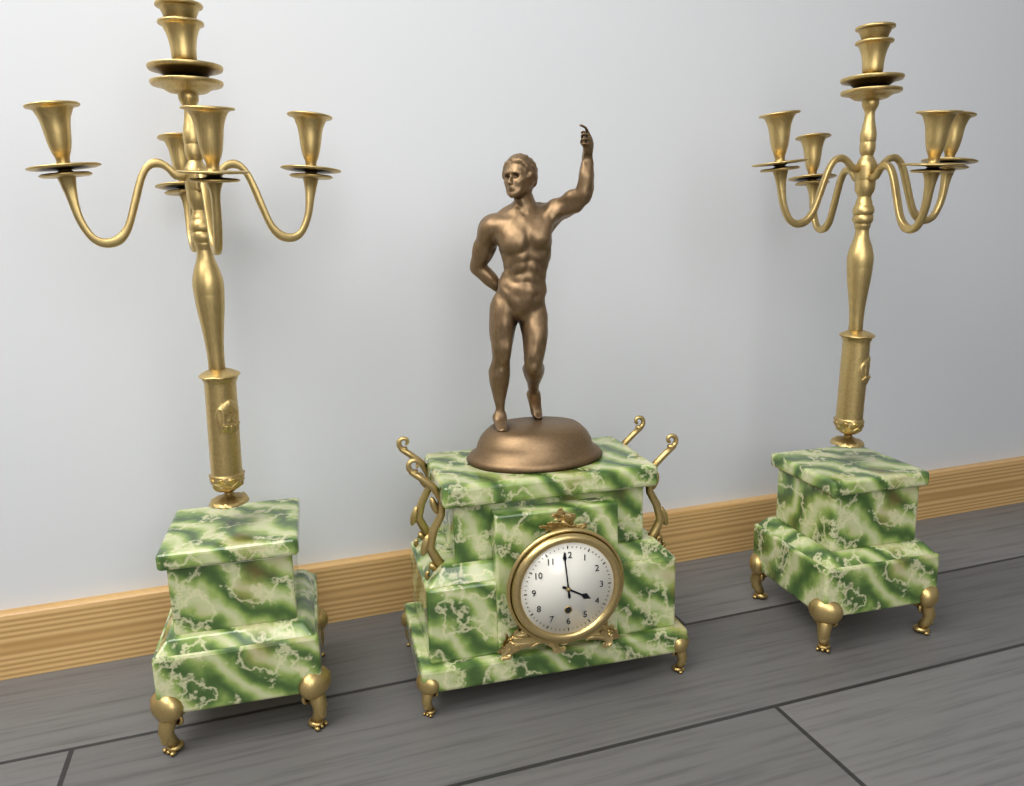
h=3 m=59
